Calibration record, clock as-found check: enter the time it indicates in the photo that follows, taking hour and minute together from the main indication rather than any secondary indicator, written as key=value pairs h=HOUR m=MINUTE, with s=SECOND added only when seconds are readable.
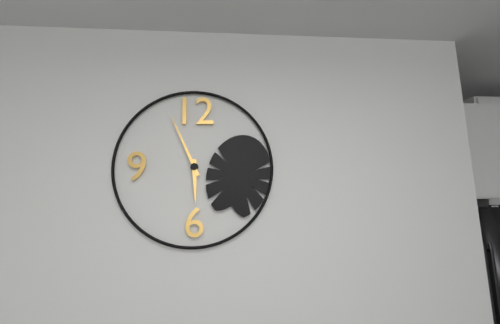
h=5 m=56
